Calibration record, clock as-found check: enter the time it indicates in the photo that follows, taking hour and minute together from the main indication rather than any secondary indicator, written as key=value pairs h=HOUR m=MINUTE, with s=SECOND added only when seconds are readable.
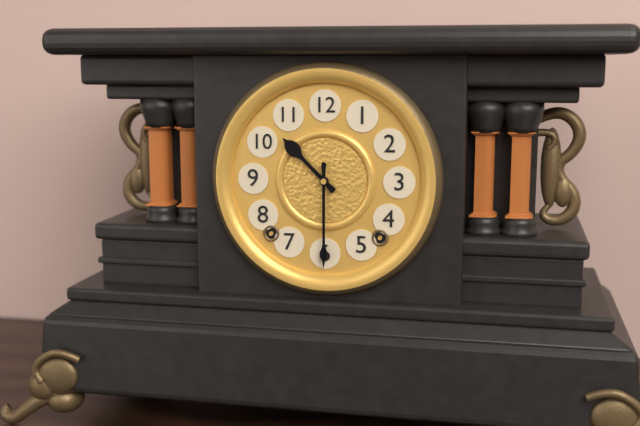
h=10 m=30
